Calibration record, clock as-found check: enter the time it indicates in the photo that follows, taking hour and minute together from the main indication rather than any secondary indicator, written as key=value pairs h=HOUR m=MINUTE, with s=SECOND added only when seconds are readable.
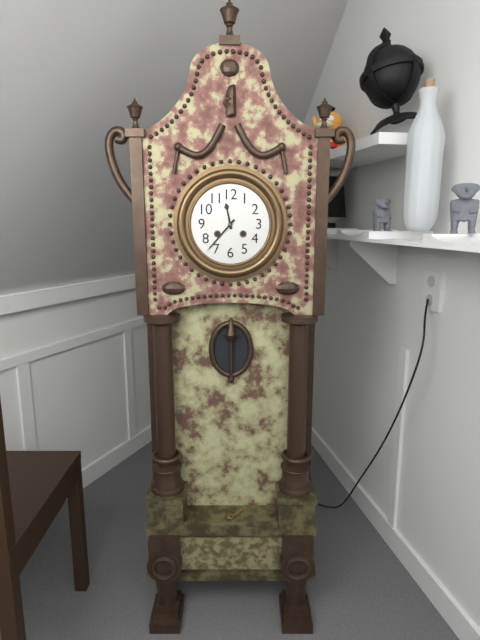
h=11 m=37
